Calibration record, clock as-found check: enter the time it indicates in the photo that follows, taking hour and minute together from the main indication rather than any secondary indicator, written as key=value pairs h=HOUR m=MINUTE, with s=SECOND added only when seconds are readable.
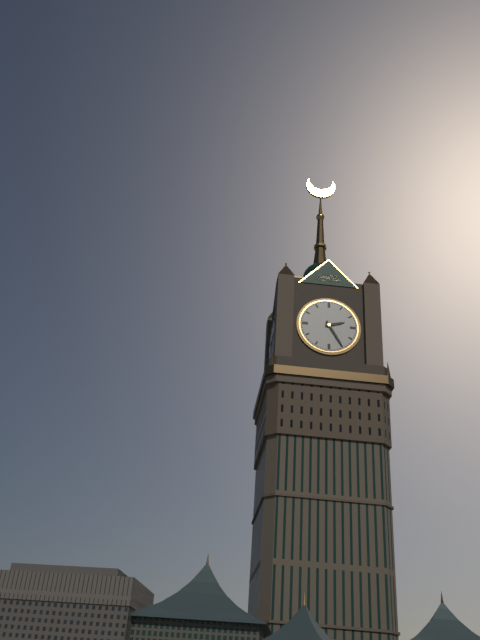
h=2 m=25
